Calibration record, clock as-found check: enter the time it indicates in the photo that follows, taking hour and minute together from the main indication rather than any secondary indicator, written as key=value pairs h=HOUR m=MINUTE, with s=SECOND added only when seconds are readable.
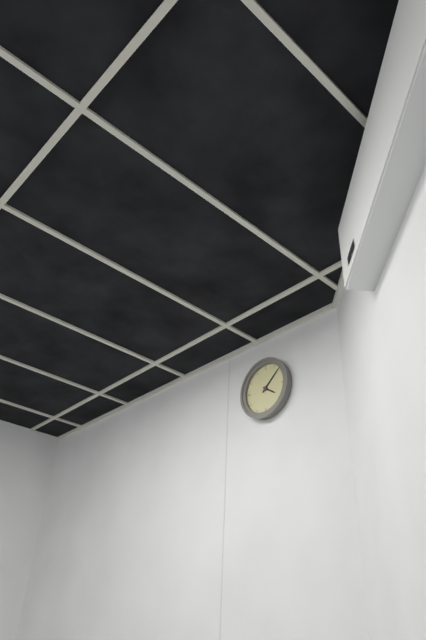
h=4 m=8
